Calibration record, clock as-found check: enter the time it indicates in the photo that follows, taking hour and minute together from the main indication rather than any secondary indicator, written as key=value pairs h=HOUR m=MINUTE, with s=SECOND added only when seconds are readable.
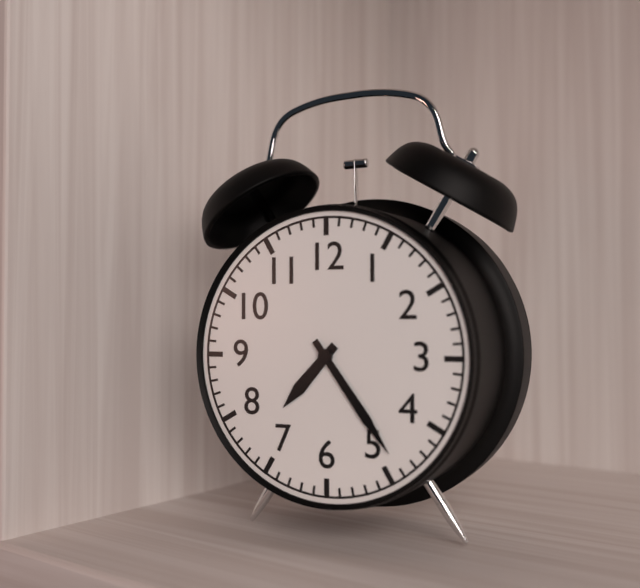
h=7 m=24
